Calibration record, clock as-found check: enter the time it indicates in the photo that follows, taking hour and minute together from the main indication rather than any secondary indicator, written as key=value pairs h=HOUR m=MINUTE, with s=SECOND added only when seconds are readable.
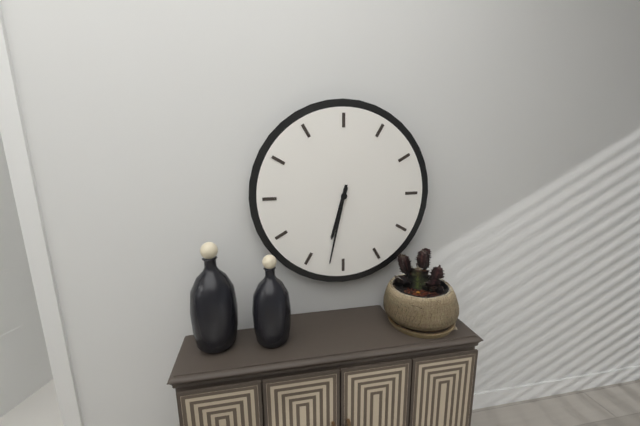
h=6 m=32
